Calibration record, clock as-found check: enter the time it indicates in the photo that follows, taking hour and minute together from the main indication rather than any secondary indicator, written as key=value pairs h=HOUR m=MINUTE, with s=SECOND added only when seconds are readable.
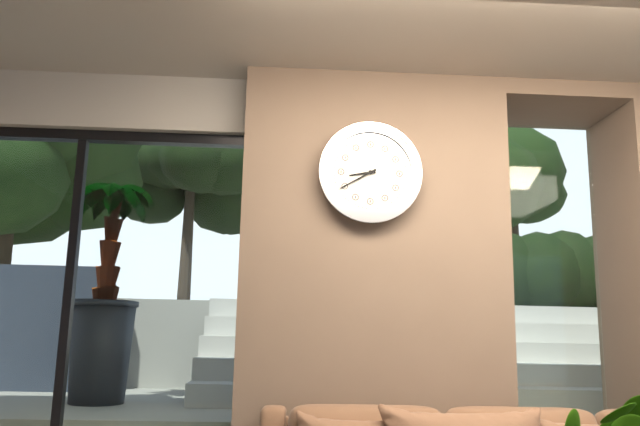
h=8 m=40
